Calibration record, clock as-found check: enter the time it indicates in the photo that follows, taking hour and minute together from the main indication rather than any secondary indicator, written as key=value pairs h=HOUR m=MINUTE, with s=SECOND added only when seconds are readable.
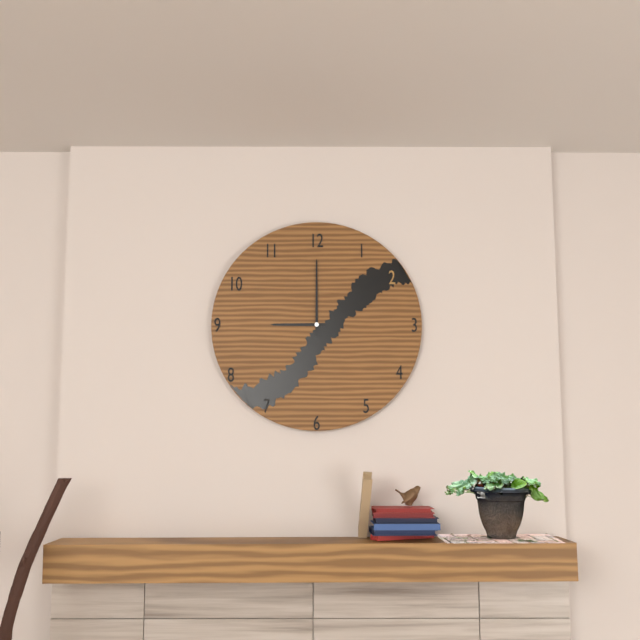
h=9 m=0
